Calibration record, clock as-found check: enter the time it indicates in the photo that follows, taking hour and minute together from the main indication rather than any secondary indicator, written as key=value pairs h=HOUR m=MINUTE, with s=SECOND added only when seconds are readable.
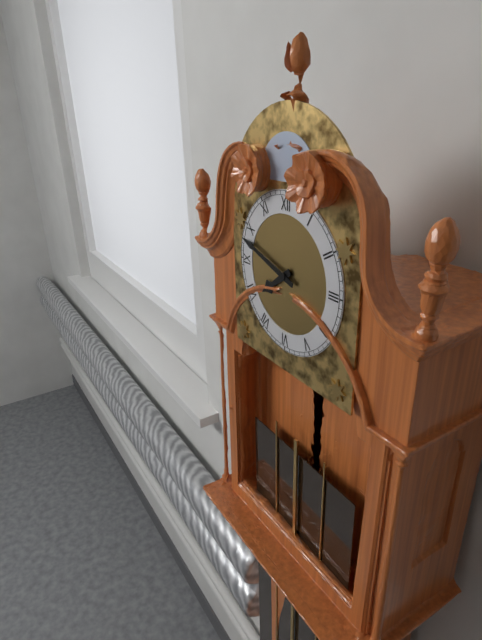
h=7 m=48
